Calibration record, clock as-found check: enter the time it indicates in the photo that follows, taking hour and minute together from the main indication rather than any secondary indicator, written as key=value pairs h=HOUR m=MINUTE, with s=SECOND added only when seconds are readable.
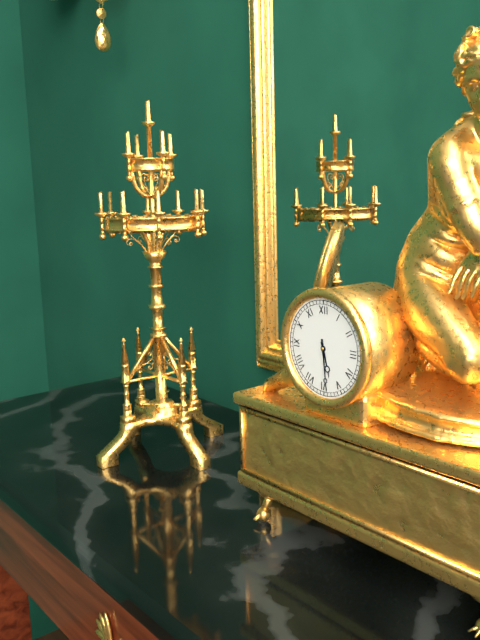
h=5 m=29
